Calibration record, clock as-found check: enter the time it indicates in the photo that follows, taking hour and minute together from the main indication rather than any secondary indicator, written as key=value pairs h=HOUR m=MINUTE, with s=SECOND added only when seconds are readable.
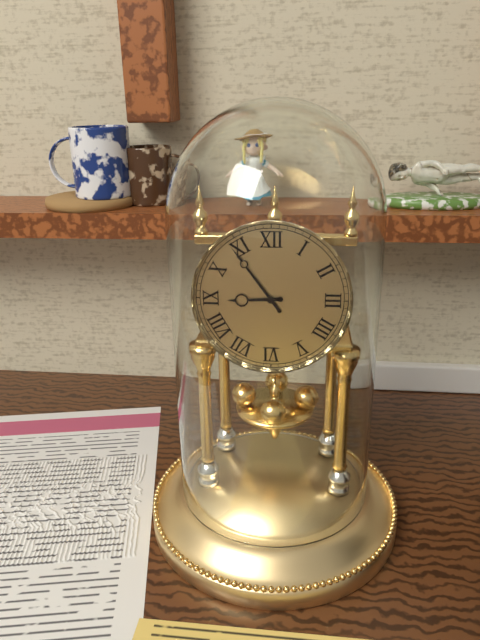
h=8 m=54
